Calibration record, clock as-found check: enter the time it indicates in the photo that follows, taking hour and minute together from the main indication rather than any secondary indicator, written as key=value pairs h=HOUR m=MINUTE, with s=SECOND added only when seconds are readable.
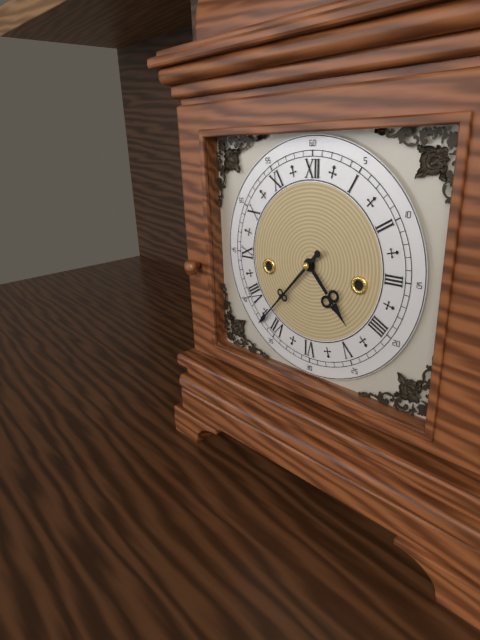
h=4 m=37
